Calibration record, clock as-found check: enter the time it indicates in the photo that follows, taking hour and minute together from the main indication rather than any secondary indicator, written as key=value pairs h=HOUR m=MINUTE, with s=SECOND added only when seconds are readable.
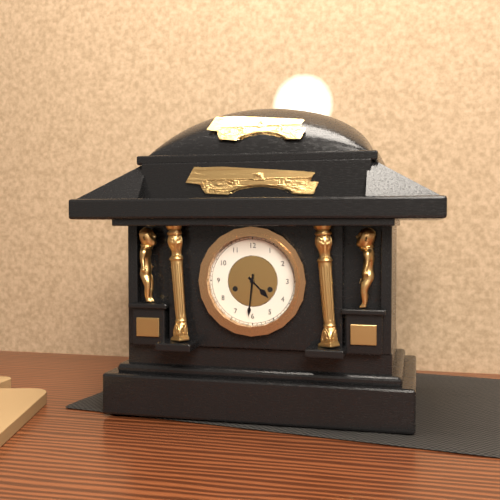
h=4 m=31
